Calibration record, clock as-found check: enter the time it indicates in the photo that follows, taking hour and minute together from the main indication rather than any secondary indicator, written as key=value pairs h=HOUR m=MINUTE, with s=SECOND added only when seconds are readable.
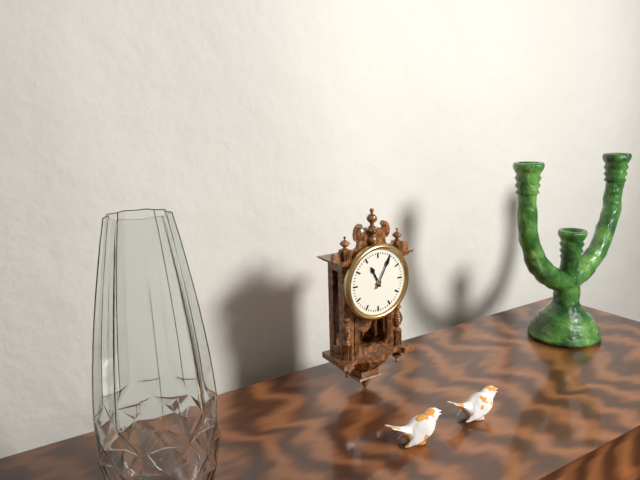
h=11 m=5
